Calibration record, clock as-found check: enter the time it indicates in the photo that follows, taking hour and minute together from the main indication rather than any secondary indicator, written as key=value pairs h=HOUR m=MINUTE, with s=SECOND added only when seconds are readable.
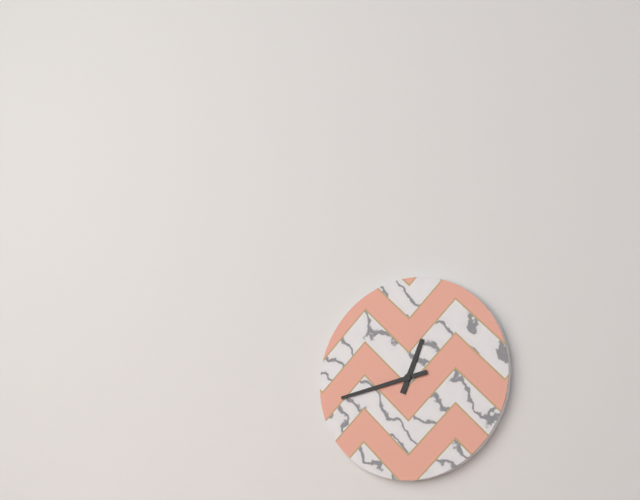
h=12 m=43
